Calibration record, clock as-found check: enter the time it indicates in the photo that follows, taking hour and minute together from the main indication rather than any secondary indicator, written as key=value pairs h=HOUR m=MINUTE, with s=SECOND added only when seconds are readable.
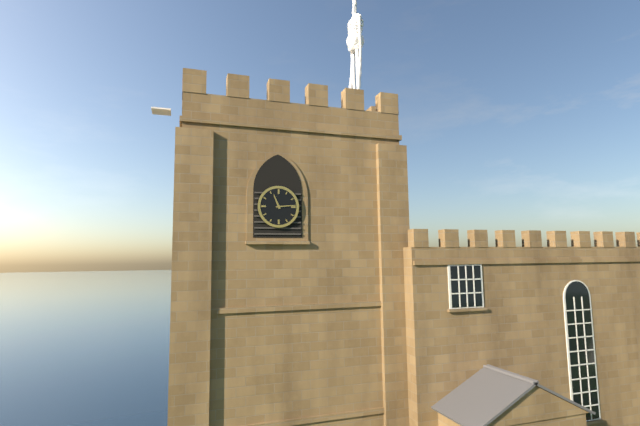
h=11 m=14
